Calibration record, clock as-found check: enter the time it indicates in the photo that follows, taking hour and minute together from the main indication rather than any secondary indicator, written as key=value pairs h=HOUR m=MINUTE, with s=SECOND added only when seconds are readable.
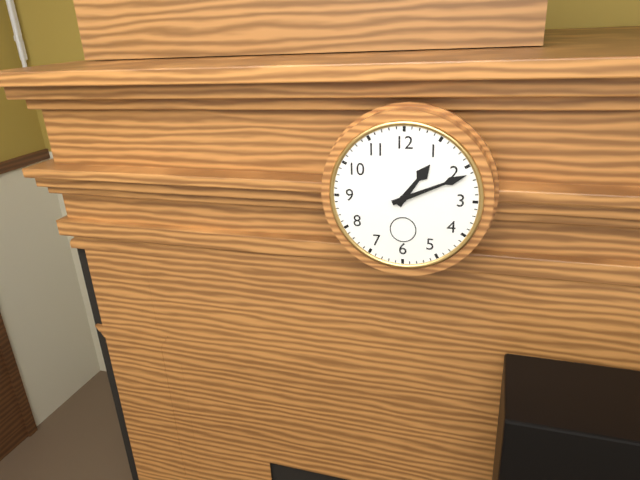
h=1 m=11
